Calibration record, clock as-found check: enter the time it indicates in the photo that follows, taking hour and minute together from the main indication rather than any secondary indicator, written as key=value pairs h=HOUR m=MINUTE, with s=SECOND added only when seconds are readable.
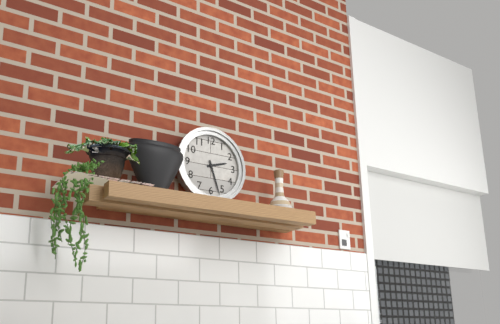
h=2 m=27
